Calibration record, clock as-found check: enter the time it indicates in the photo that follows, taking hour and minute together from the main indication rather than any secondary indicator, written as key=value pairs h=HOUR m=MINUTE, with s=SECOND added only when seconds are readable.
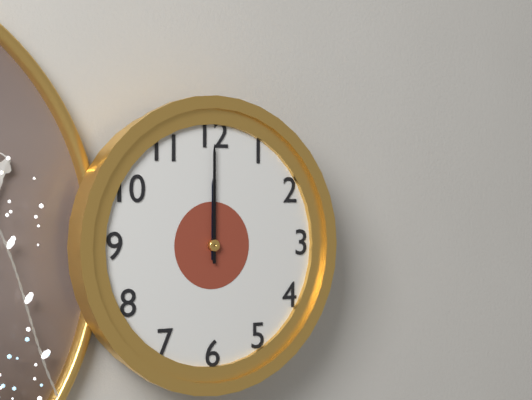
h=12 m=0
